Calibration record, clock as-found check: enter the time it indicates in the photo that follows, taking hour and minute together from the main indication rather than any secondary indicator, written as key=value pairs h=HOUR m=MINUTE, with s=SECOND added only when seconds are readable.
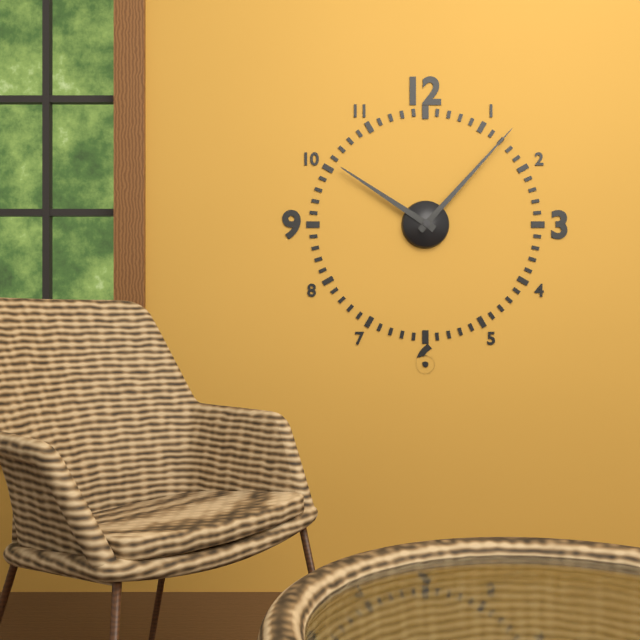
h=10 m=7
